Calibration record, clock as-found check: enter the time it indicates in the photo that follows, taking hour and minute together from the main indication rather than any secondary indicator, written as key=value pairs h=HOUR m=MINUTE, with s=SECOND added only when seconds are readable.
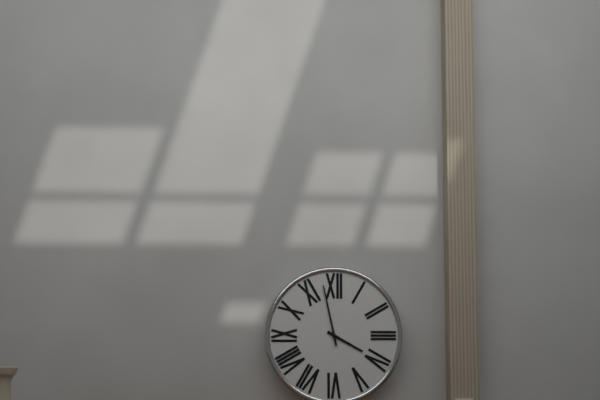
h=3 m=58
